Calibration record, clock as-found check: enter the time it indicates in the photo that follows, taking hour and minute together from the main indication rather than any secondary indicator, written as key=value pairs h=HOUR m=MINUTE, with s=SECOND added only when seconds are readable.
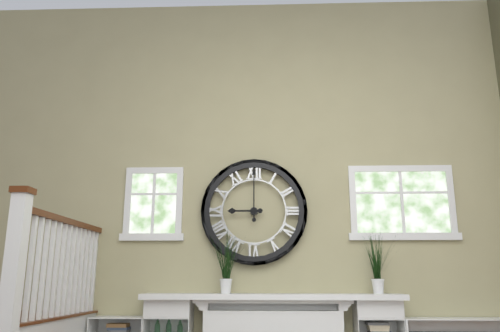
h=9 m=0
